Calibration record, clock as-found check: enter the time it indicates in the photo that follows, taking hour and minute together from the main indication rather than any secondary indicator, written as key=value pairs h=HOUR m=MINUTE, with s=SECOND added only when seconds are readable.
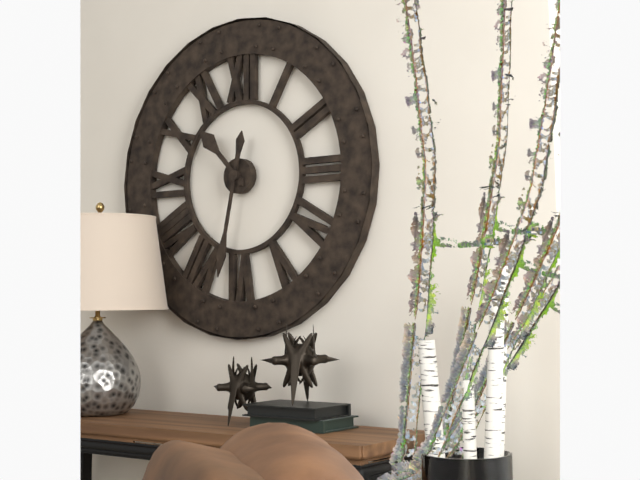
h=10 m=32
